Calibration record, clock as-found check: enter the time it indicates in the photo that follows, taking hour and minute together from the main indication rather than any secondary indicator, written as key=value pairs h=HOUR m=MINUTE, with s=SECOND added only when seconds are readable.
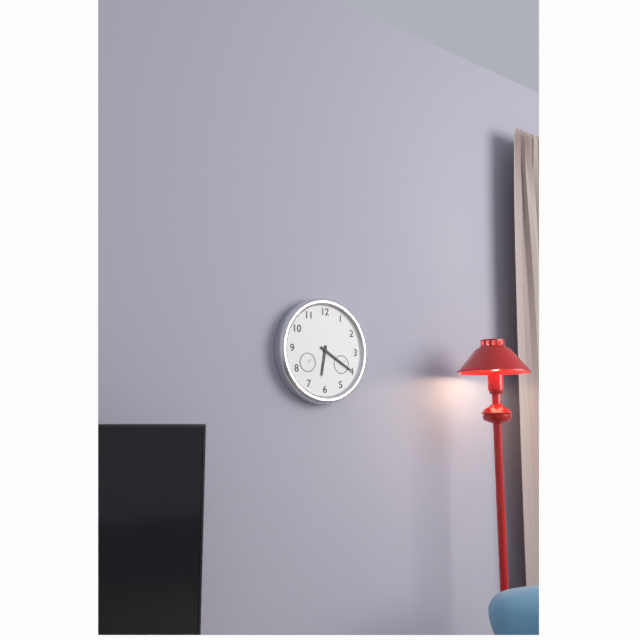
h=6 m=20
